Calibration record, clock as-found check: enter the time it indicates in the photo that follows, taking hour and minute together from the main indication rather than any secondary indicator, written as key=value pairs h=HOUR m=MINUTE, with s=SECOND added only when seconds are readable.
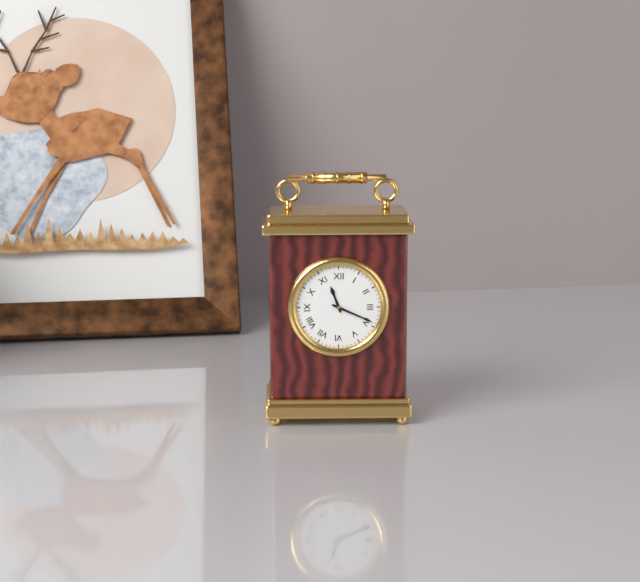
h=11 m=19
